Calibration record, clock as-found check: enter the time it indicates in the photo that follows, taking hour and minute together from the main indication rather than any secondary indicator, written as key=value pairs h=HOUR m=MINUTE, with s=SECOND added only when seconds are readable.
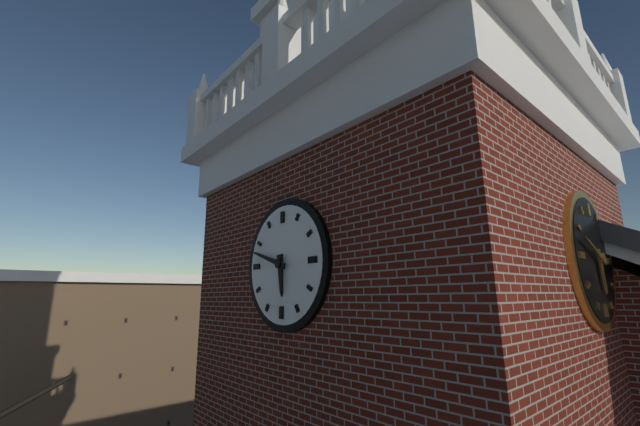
h=5 m=48
